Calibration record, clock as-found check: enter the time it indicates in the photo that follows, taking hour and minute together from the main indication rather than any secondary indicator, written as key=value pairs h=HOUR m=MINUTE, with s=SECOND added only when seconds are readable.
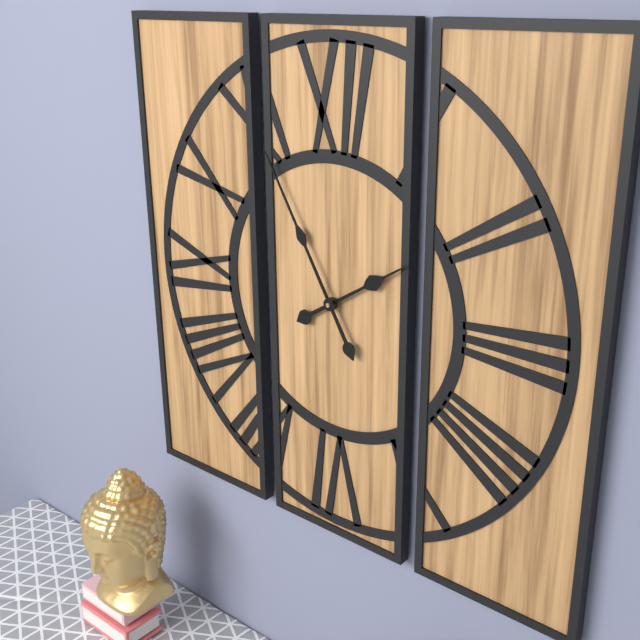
h=1 m=55
